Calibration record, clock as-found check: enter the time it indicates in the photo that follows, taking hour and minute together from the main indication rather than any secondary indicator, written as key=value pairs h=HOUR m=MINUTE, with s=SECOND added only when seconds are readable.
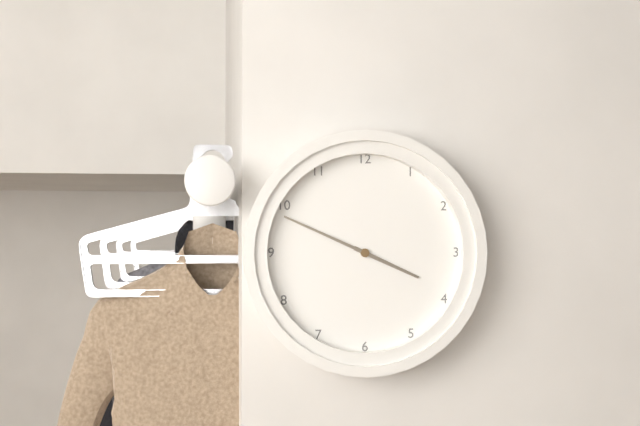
h=3 m=49
